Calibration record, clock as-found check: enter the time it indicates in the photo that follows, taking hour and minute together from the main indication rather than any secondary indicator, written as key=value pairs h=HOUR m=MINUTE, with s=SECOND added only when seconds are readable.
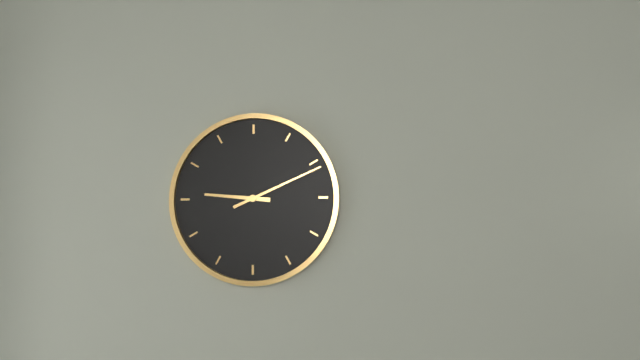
h=9 m=11
